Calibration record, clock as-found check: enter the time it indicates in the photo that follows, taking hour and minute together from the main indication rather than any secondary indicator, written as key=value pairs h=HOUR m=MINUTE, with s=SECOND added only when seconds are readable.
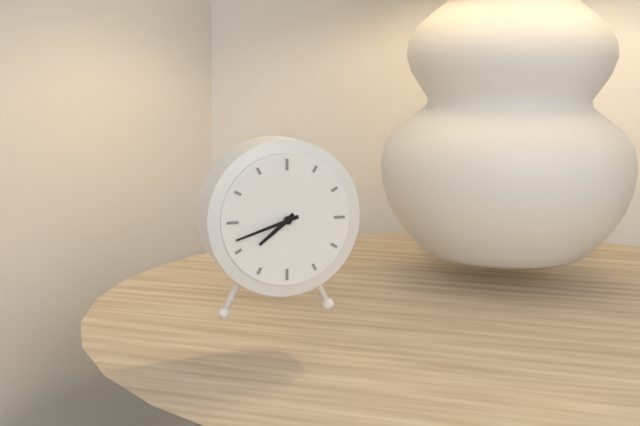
h=7 m=42
